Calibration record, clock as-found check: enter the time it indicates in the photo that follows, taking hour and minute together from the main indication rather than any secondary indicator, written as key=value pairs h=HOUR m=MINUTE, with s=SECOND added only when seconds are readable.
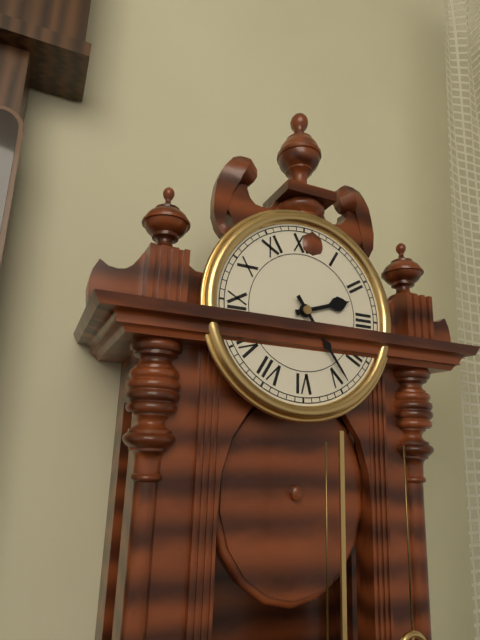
h=2 m=24
